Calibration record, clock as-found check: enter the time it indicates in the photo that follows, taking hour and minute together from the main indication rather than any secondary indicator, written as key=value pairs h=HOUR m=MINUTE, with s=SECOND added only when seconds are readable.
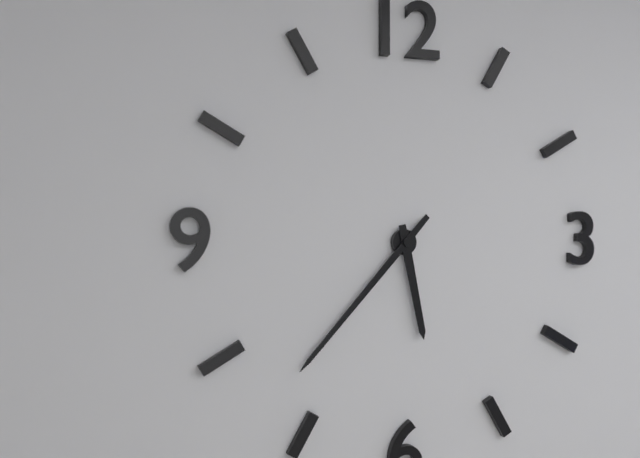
h=5 m=37
